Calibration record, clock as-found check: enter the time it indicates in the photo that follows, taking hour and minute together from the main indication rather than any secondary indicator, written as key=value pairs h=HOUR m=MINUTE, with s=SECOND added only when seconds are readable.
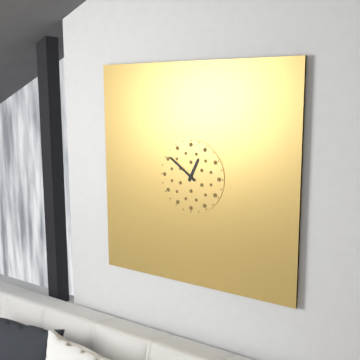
h=12 m=51
